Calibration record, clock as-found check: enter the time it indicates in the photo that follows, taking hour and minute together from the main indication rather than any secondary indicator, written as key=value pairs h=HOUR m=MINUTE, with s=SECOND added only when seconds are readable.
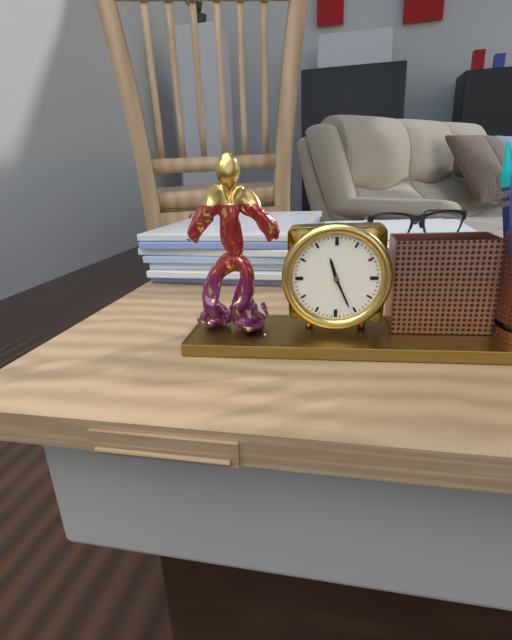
h=11 m=26
